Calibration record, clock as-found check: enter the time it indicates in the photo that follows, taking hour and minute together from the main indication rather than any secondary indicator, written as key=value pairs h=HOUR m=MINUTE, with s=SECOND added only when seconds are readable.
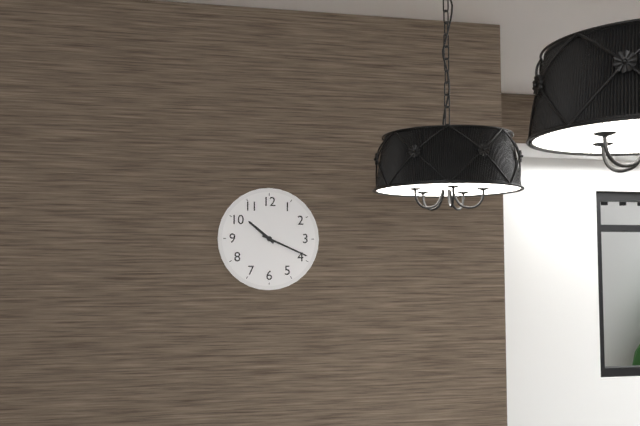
h=10 m=19
